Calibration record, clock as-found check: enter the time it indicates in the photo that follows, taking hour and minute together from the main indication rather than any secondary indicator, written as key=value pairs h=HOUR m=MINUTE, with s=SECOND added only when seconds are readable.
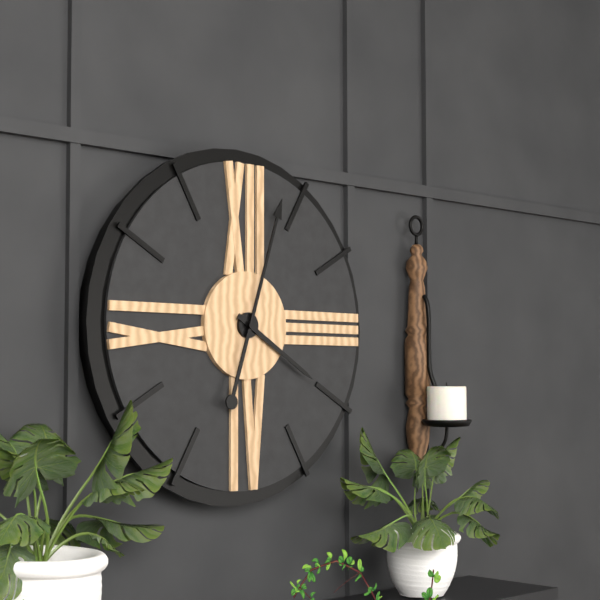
h=4 m=3
